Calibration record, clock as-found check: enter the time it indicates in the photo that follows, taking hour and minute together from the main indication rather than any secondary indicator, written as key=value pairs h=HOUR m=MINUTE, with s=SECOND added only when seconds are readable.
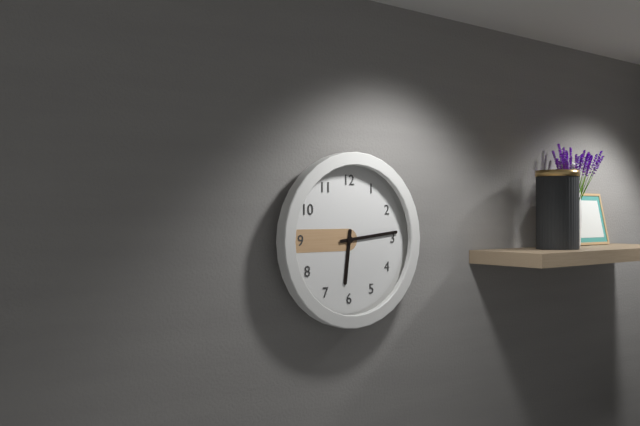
h=6 m=14
